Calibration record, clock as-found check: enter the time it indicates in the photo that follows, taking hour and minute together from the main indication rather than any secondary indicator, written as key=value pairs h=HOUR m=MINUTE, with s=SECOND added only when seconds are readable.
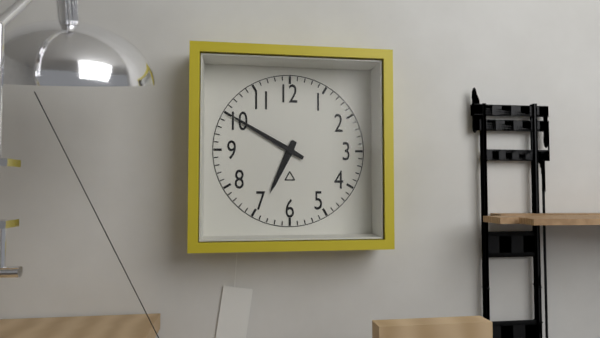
h=6 m=50
